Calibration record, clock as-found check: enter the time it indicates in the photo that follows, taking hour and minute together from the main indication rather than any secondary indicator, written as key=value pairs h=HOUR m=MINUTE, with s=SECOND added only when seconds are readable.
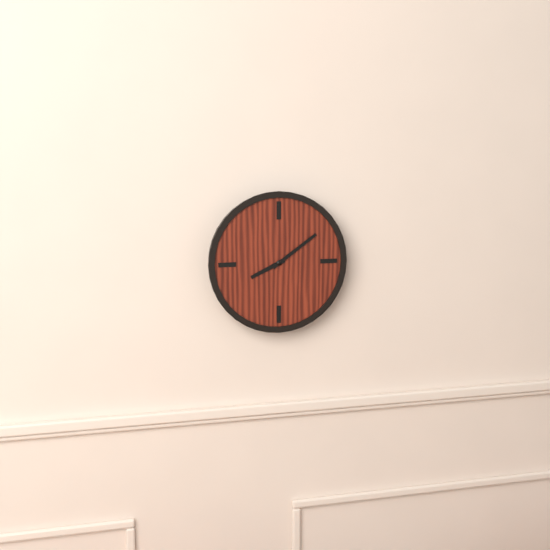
h=8 m=9
